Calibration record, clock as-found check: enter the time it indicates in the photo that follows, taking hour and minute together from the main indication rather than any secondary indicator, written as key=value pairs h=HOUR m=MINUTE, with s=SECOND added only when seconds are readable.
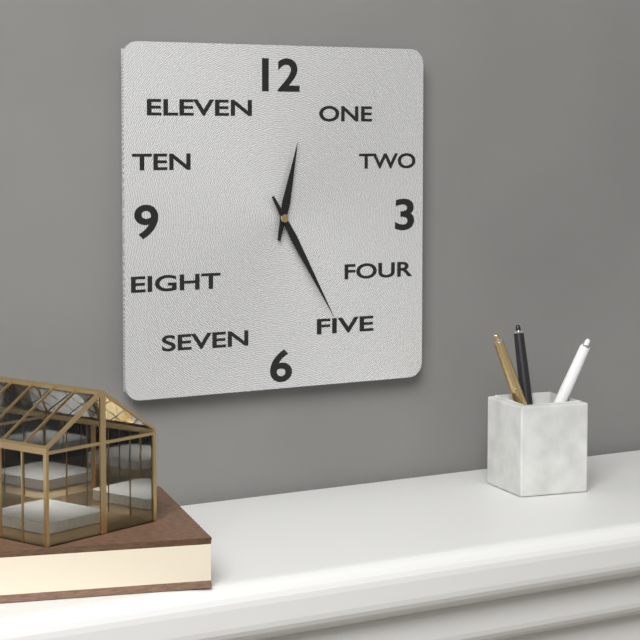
h=12 m=25
